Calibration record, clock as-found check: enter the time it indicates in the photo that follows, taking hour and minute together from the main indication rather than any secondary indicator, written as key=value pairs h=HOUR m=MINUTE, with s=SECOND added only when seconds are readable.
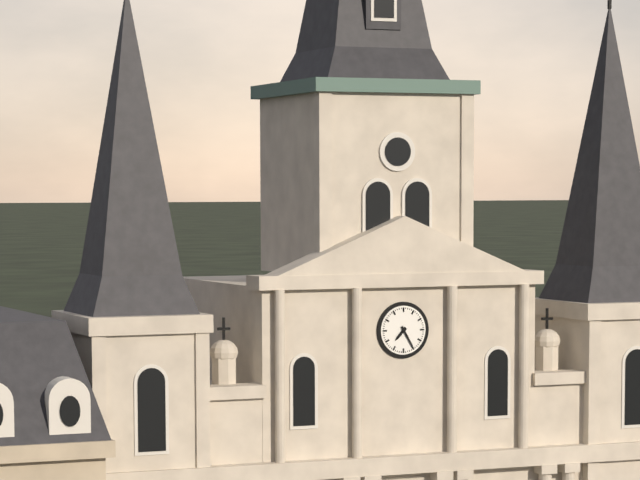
h=7 m=25
